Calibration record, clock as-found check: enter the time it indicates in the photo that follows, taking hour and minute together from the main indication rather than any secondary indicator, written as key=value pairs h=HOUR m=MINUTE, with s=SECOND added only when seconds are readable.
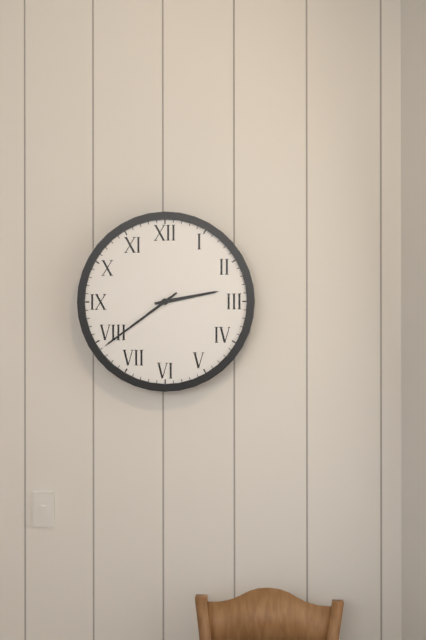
h=2 m=39
